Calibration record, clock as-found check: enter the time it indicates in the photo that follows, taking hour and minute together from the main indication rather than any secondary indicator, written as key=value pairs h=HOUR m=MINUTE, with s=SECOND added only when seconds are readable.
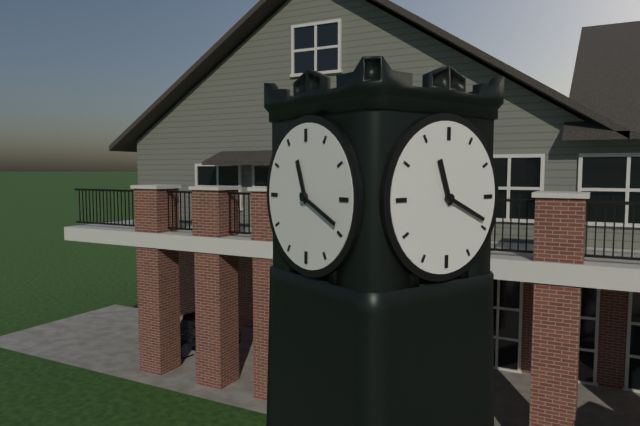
h=11 m=19
